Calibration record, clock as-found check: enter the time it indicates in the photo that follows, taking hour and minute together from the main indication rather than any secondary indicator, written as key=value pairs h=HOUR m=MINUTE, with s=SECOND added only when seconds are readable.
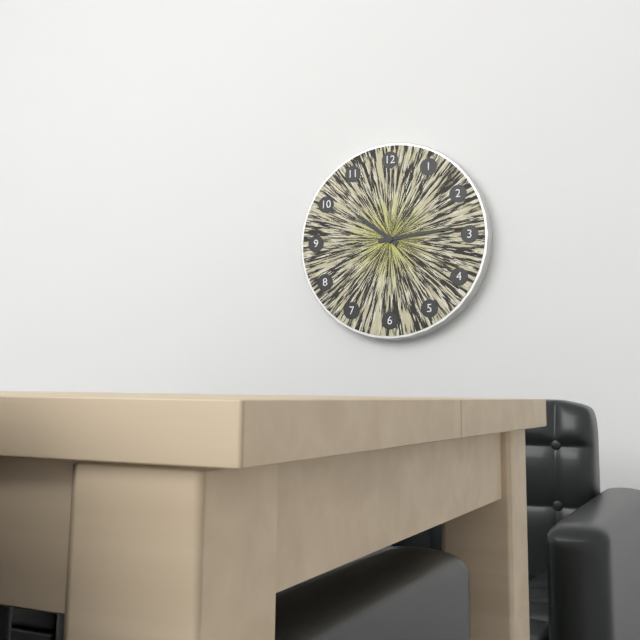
h=10 m=14
